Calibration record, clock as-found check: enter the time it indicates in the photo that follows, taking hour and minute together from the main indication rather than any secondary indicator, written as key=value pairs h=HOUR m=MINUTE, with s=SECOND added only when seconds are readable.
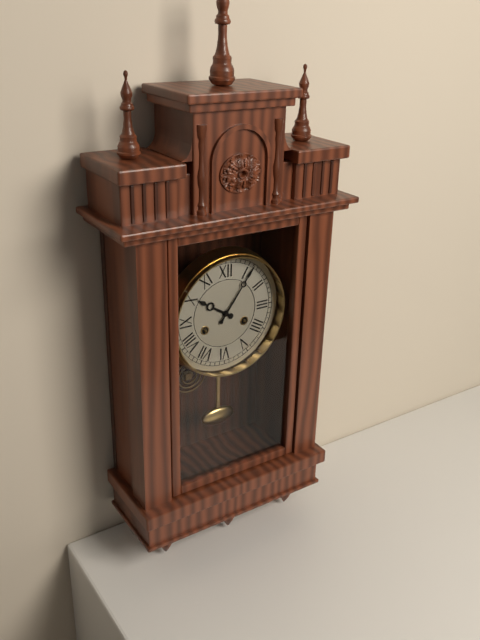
h=10 m=6
